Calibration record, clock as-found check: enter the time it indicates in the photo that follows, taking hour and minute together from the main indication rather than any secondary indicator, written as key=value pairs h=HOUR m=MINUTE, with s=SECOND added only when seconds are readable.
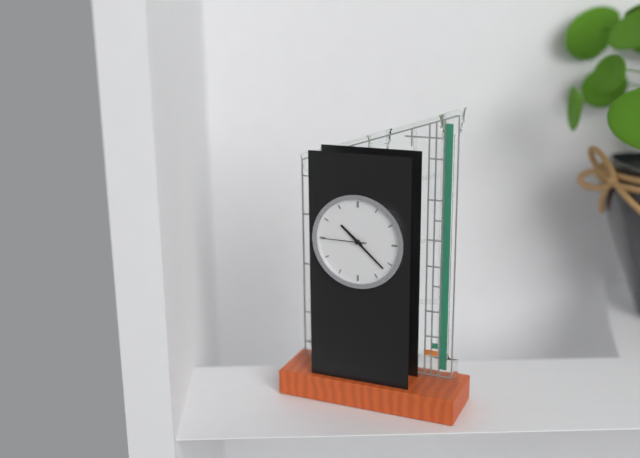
h=10 m=22
